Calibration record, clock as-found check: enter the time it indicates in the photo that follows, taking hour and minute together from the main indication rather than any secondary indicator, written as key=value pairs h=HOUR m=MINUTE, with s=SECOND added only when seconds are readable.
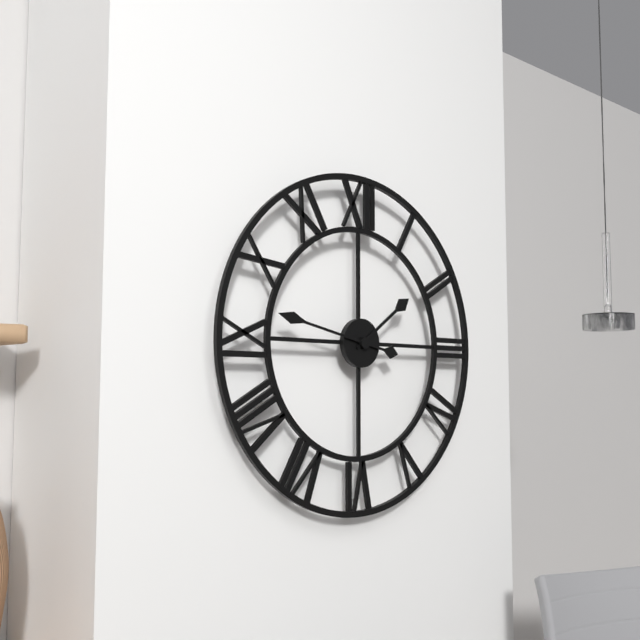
h=1 m=47
